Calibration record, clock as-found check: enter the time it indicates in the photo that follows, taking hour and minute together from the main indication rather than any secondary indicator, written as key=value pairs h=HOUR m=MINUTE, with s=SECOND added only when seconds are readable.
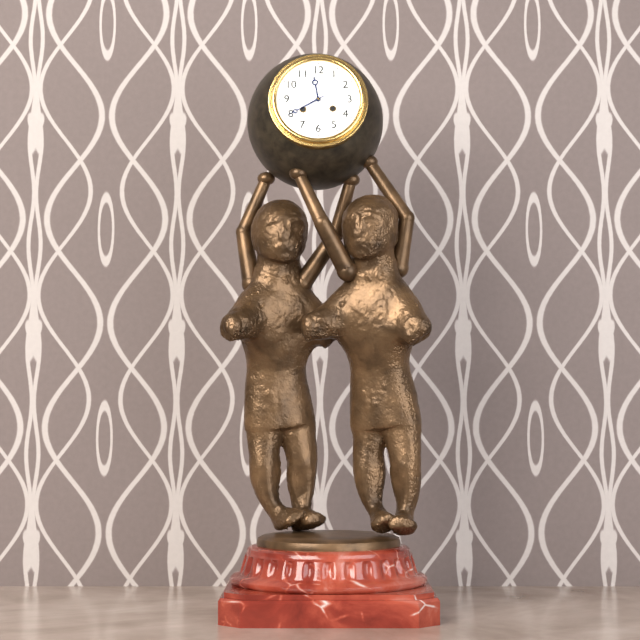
h=11 m=40
